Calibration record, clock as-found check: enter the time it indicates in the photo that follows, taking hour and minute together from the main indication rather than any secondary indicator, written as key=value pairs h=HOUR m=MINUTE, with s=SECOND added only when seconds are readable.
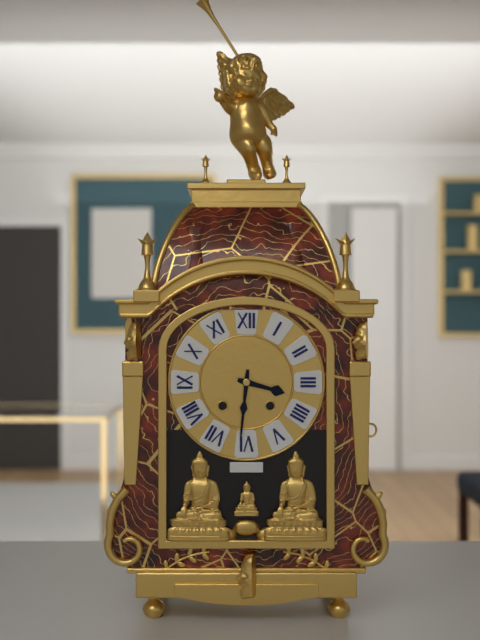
h=3 m=31
